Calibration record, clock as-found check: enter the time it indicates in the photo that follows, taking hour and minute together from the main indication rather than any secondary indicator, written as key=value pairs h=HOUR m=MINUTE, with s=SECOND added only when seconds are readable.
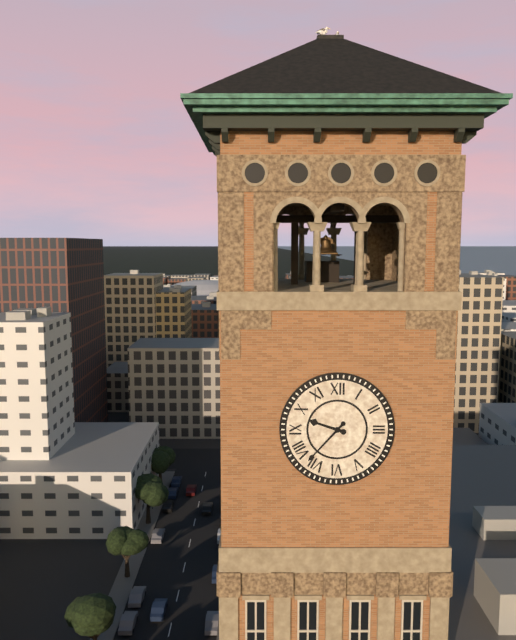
h=9 m=37
